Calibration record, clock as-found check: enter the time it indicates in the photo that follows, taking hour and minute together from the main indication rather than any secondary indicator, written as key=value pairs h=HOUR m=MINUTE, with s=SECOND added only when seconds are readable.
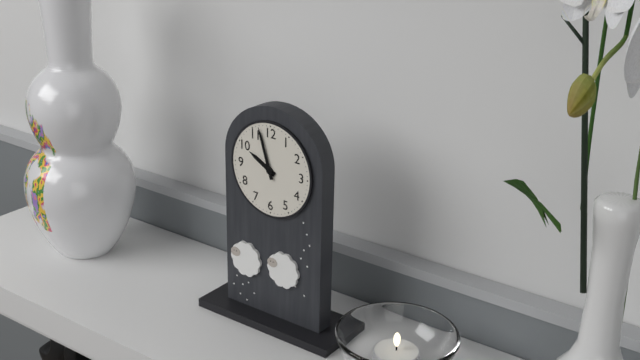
h=9 m=57
